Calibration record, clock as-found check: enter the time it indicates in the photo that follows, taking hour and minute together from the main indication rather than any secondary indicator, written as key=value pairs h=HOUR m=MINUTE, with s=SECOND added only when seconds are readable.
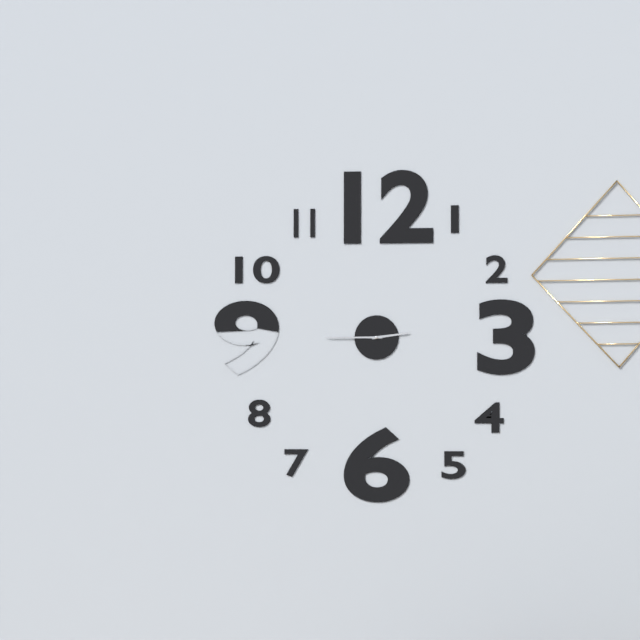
h=2 m=45
